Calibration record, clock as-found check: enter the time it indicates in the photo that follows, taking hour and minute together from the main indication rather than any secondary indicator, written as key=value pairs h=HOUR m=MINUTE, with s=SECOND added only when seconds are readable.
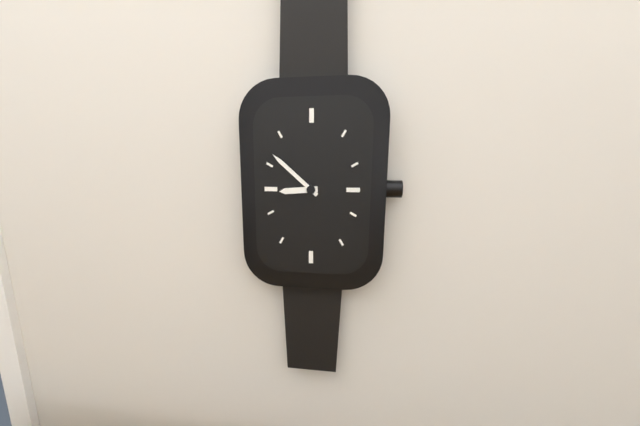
h=8 m=52
